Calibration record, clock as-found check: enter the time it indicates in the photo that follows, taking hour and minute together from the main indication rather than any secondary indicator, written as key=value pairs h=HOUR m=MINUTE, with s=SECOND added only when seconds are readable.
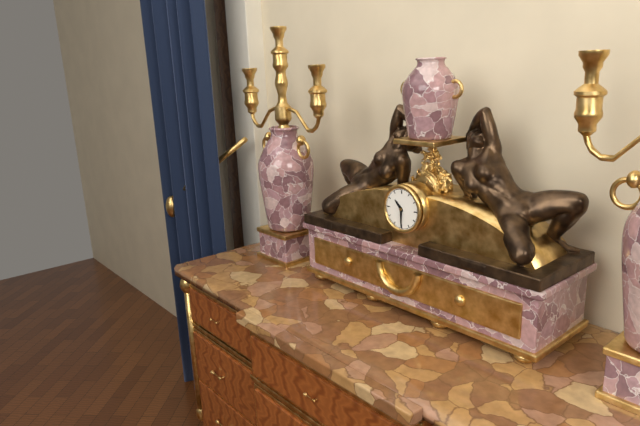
h=10 m=30
